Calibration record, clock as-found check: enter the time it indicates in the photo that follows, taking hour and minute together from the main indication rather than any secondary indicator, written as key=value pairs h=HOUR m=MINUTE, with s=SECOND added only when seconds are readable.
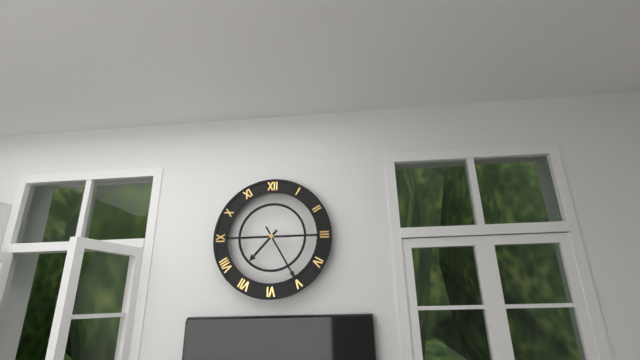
h=7 m=25
